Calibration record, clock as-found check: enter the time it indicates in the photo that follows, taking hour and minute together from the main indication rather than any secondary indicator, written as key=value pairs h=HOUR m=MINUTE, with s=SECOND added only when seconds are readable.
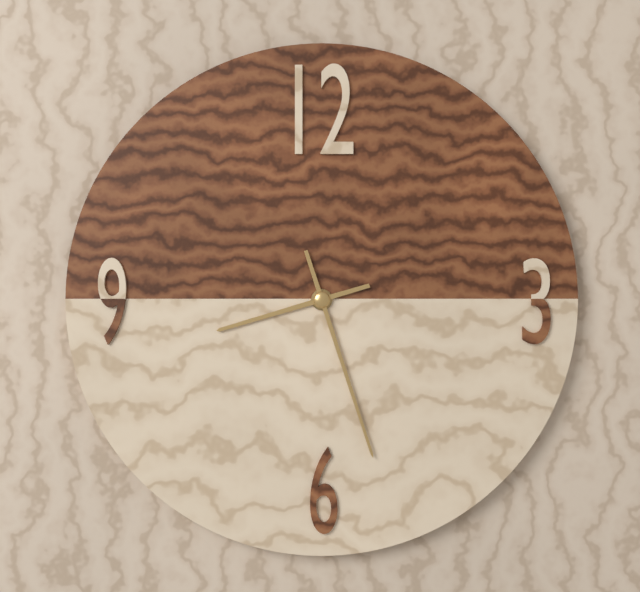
h=8 m=27
